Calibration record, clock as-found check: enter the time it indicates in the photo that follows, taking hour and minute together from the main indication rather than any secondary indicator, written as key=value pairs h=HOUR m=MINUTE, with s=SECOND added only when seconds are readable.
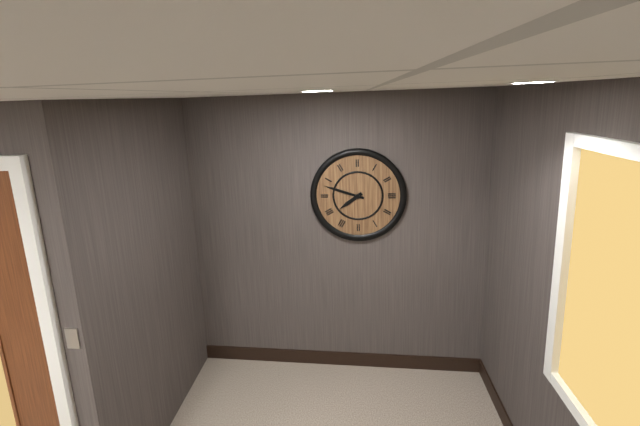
h=7 m=48
